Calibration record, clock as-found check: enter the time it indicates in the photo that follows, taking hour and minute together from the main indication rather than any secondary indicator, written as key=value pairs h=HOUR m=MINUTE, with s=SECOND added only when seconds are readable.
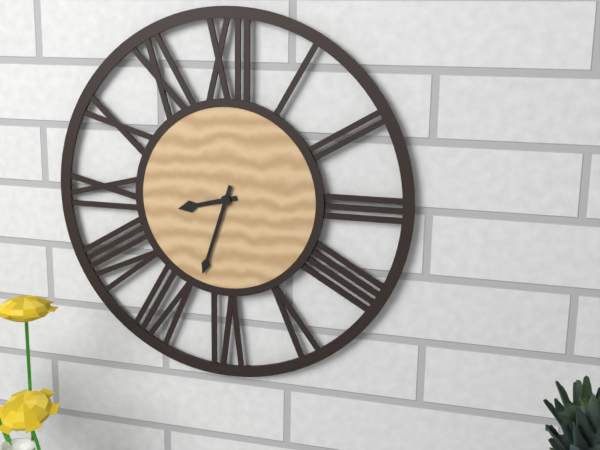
h=8 m=33
